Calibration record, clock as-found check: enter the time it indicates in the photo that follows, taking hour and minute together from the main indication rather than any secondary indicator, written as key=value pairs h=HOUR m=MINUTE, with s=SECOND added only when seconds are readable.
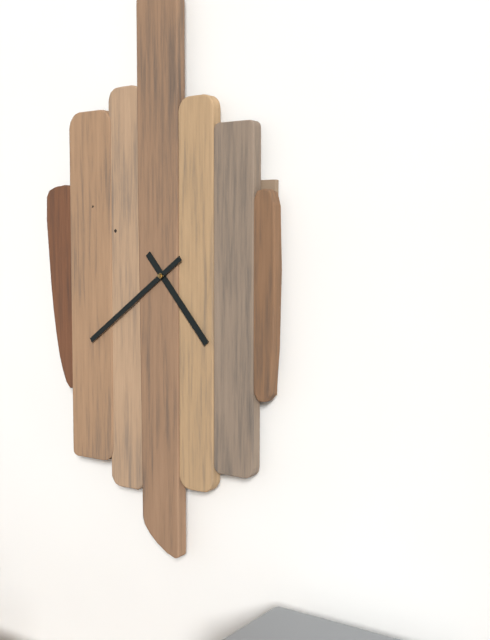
h=4 m=39
